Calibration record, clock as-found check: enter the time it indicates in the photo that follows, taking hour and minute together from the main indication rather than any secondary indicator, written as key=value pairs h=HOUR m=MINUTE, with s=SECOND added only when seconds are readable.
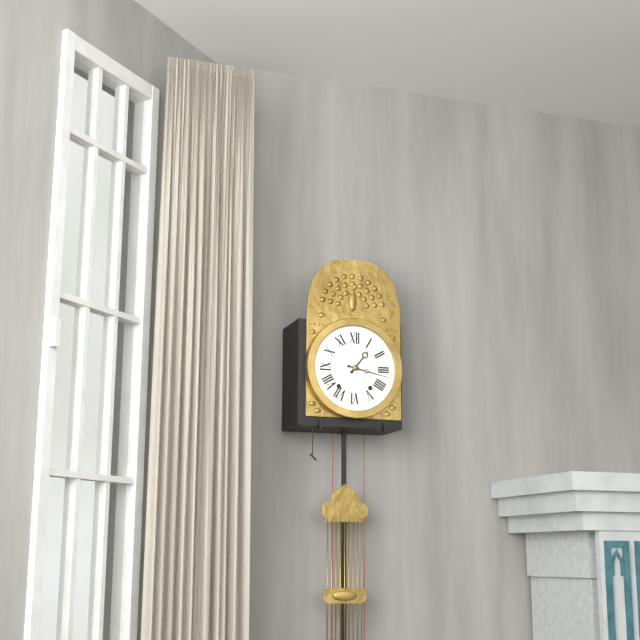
h=1 m=17
